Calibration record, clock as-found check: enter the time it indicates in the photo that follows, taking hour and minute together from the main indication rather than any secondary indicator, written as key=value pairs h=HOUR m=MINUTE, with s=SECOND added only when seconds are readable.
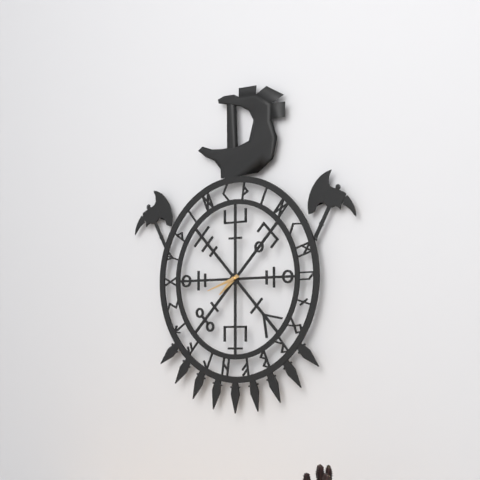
h=7 m=42
